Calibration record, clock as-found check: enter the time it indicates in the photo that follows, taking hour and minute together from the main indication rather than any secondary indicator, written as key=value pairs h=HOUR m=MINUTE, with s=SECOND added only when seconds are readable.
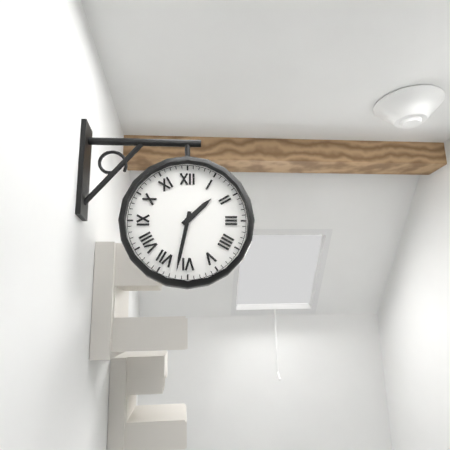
h=1 m=32
